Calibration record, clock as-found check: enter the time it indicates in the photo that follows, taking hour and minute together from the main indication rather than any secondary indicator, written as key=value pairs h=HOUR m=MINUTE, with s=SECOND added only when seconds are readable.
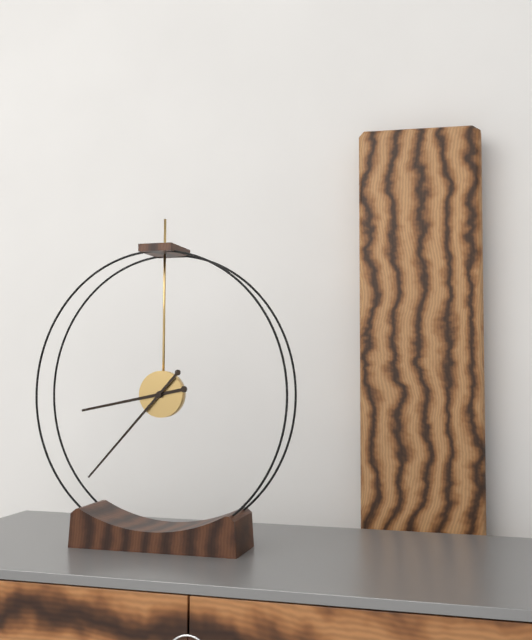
h=8 m=37
